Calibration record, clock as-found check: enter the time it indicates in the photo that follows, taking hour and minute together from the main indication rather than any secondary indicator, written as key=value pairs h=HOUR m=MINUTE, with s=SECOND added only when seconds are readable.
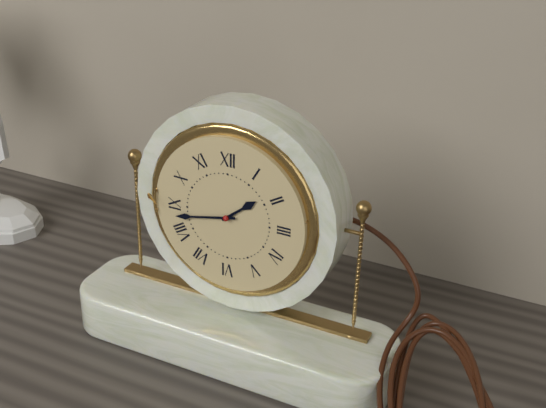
h=1 m=43
